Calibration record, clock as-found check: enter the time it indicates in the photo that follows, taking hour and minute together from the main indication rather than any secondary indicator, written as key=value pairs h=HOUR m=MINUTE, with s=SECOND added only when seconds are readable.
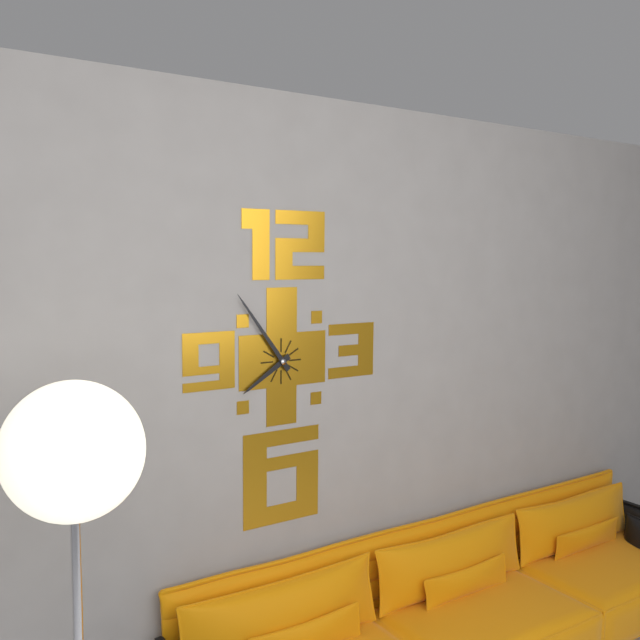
h=7 m=54
